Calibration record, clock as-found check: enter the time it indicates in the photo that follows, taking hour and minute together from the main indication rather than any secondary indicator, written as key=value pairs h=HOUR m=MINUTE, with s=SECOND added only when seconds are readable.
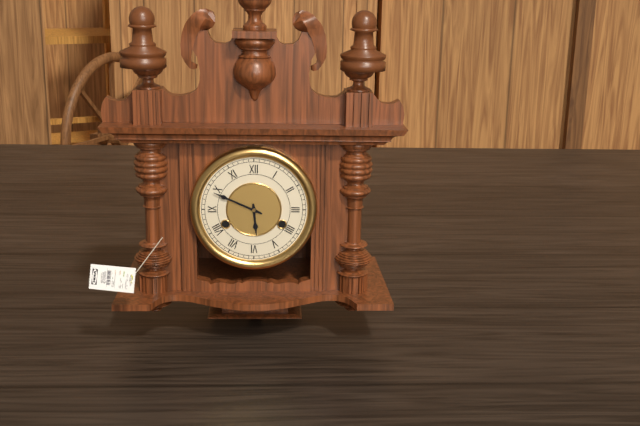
h=5 m=49
